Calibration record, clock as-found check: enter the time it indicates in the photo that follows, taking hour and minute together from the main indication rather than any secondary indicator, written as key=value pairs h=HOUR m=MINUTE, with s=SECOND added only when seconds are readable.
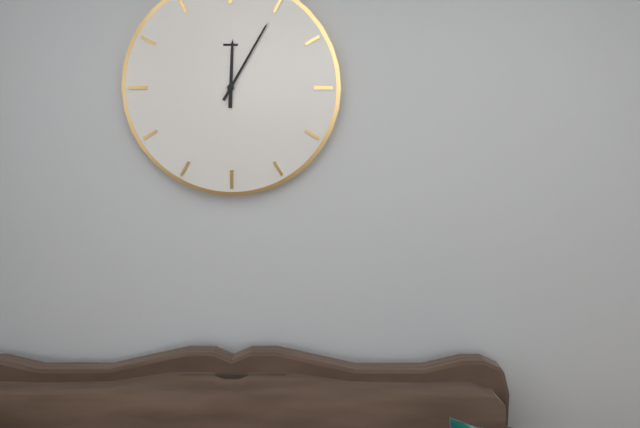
h=12 m=5
